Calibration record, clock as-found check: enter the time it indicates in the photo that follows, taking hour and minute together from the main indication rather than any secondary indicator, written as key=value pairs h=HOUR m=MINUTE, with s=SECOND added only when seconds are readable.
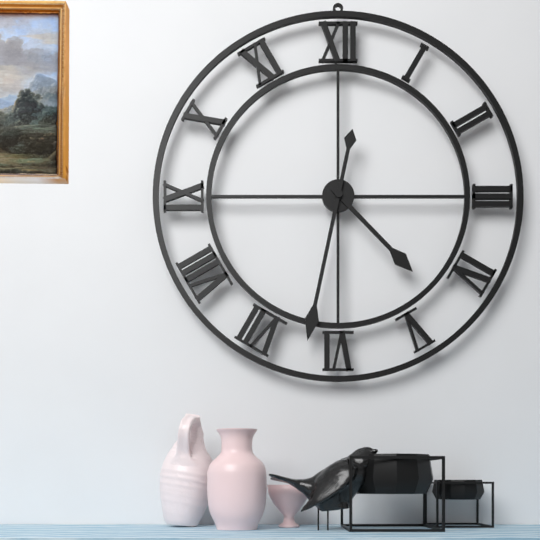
h=4 m=32
